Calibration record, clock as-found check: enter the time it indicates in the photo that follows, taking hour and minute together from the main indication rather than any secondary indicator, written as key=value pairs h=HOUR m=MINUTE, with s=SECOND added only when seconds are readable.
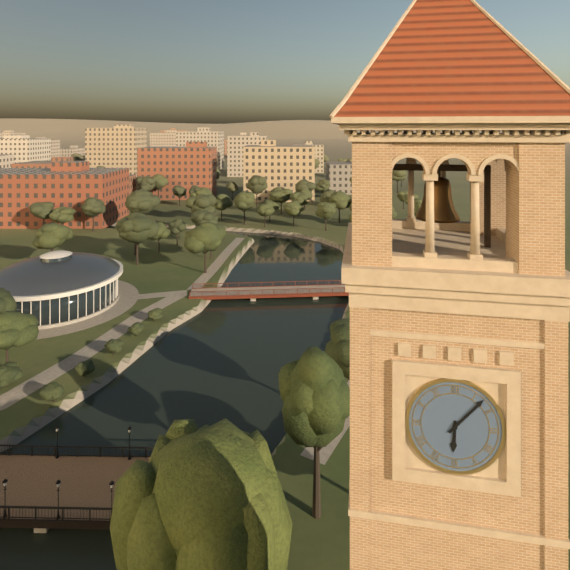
h=6 m=7
